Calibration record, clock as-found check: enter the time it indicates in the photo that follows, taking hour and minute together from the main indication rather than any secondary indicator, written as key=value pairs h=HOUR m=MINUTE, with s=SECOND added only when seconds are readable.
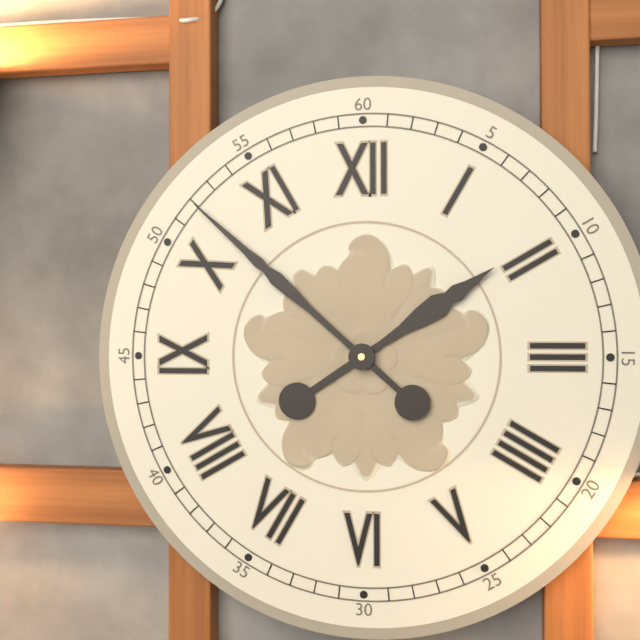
h=1 m=52
